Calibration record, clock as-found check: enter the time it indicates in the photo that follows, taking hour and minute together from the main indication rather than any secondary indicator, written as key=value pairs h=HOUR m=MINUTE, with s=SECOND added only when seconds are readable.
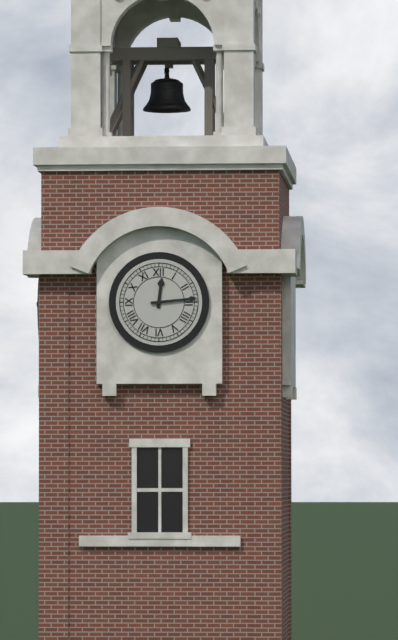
h=12 m=14
